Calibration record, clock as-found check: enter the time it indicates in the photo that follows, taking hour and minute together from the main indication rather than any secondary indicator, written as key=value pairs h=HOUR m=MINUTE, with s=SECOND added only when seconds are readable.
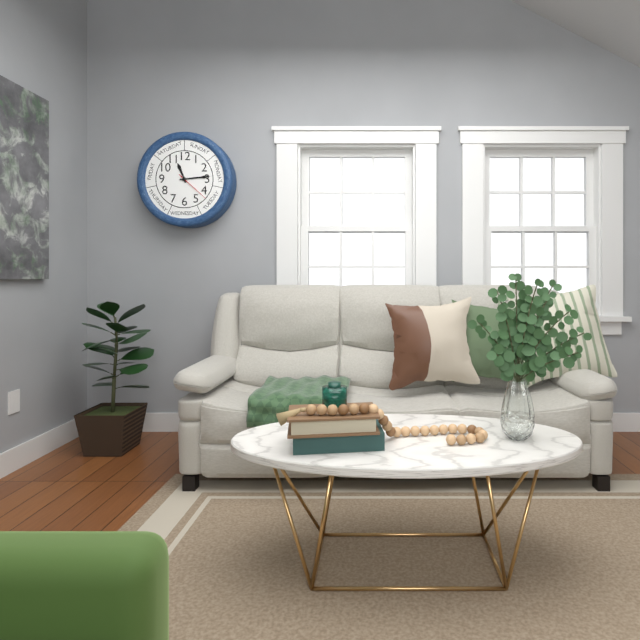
h=11 m=14
